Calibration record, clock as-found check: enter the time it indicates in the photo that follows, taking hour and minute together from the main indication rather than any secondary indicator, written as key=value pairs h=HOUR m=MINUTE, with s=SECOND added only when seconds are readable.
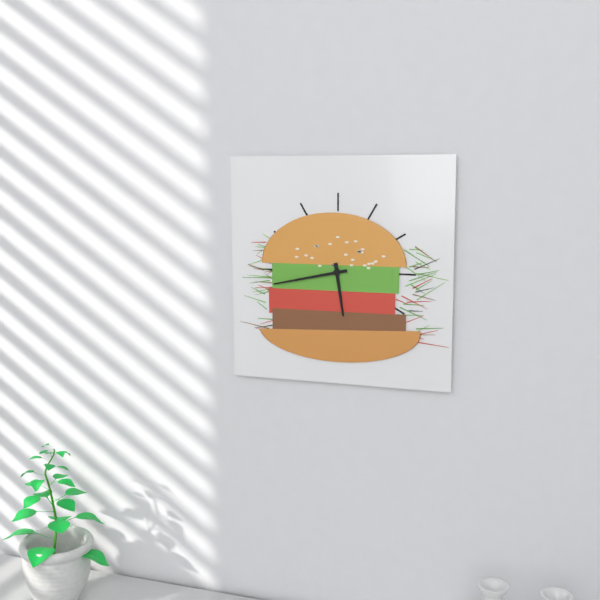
h=5 m=43
